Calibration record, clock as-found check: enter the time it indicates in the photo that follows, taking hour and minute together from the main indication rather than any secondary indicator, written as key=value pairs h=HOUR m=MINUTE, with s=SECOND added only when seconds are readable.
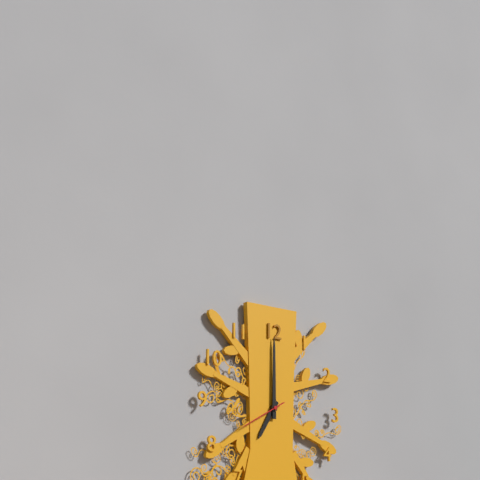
h=7 m=0
